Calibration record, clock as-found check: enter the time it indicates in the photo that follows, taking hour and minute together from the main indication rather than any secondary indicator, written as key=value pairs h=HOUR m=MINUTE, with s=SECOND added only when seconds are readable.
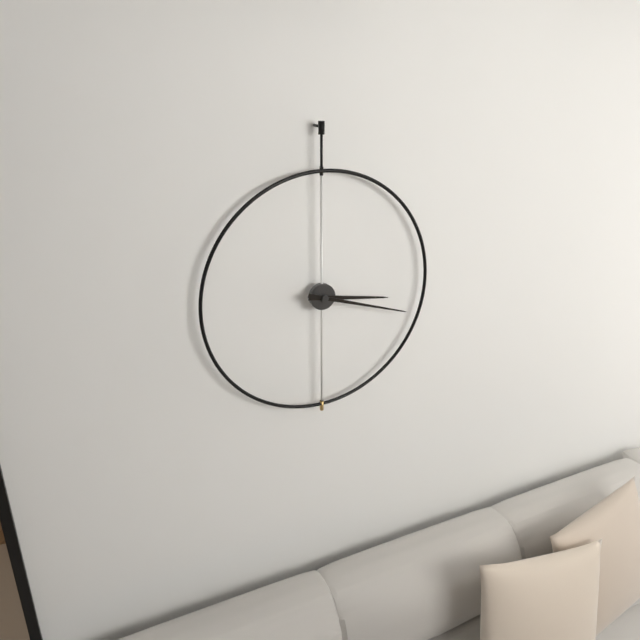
h=3 m=18
